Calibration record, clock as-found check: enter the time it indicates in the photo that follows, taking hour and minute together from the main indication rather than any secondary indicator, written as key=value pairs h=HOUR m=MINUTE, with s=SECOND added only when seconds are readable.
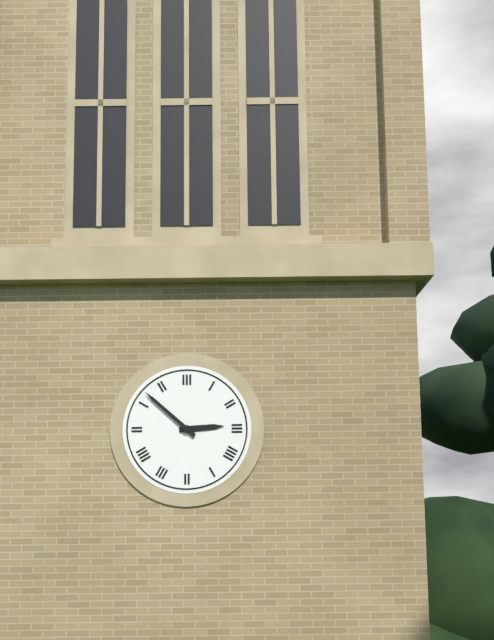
h=2 m=52
